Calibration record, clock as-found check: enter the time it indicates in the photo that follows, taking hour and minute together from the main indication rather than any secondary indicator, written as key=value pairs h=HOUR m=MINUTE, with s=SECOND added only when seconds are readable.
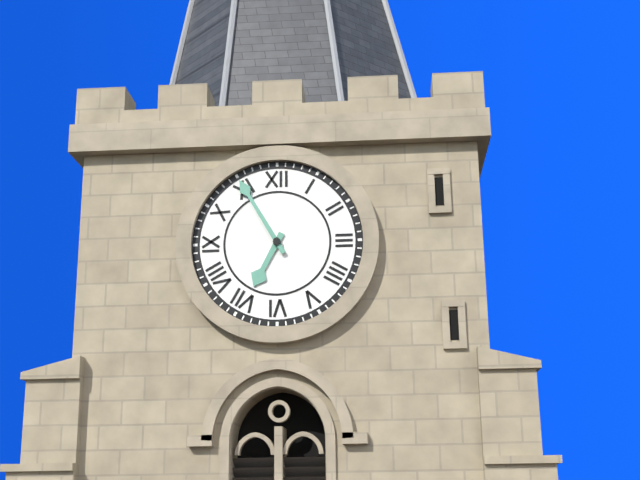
h=6 m=55
